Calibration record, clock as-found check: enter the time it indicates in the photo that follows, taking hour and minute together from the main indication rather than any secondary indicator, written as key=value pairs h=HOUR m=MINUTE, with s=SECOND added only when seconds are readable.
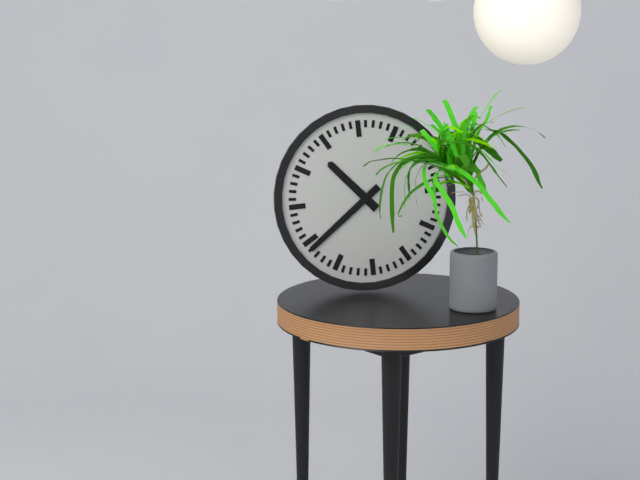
h=10 m=39
